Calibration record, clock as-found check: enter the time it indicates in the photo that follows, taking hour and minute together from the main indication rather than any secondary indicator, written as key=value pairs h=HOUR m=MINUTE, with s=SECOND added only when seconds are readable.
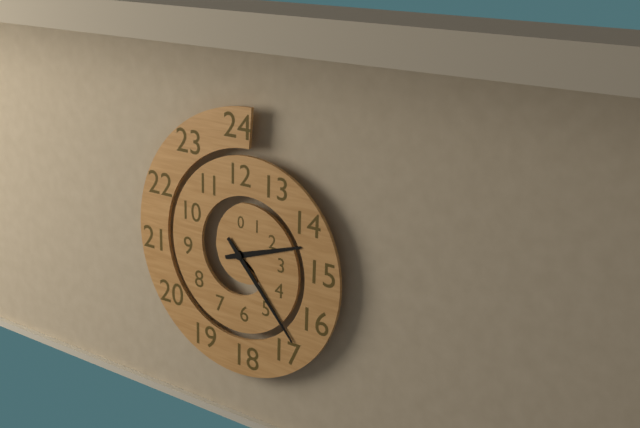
h=2 m=23
